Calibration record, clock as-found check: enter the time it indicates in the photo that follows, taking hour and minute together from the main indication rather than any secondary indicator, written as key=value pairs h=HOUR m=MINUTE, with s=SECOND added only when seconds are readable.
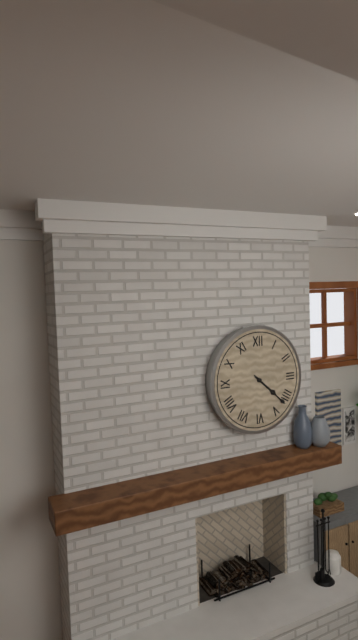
h=4 m=22
